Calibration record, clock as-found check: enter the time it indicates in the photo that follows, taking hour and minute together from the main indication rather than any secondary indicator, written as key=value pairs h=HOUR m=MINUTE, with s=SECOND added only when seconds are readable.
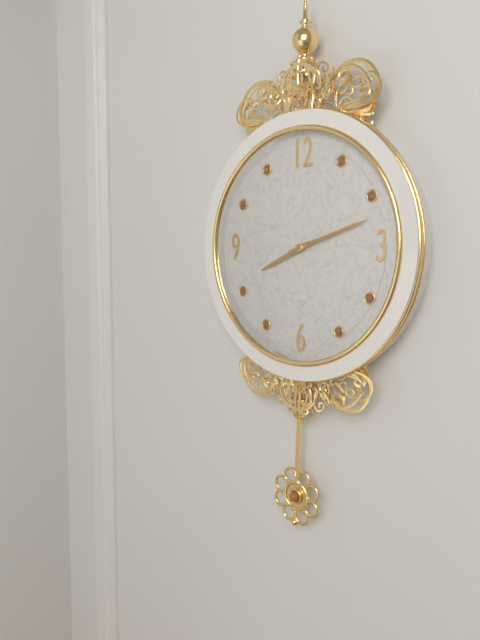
h=8 m=12
